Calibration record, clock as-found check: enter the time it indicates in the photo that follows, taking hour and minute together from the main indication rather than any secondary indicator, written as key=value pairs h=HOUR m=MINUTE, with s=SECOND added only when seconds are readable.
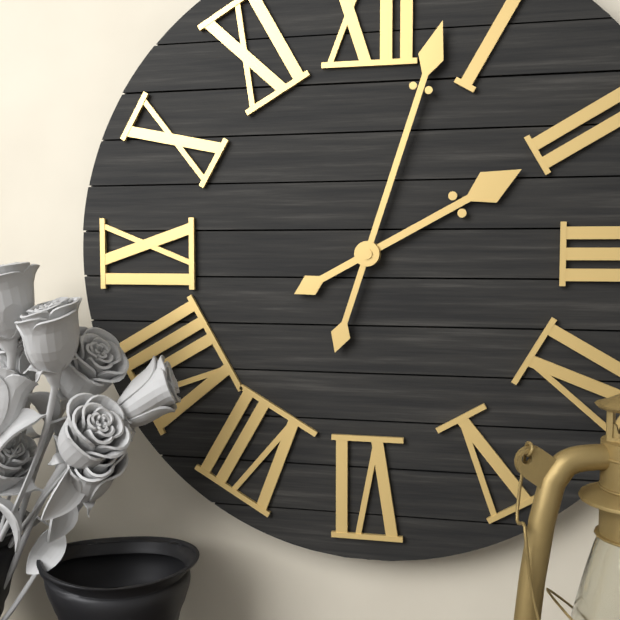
h=2 m=3
